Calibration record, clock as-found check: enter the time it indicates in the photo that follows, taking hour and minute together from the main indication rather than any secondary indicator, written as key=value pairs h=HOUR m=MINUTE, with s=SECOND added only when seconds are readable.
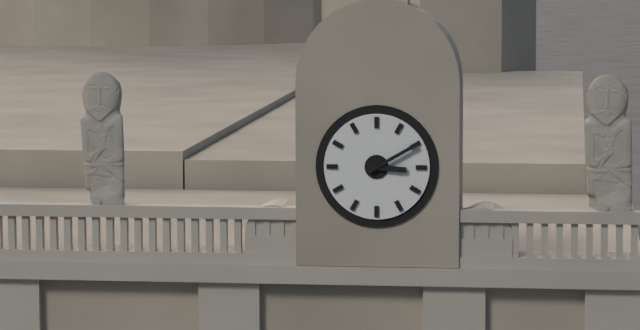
h=3 m=10
